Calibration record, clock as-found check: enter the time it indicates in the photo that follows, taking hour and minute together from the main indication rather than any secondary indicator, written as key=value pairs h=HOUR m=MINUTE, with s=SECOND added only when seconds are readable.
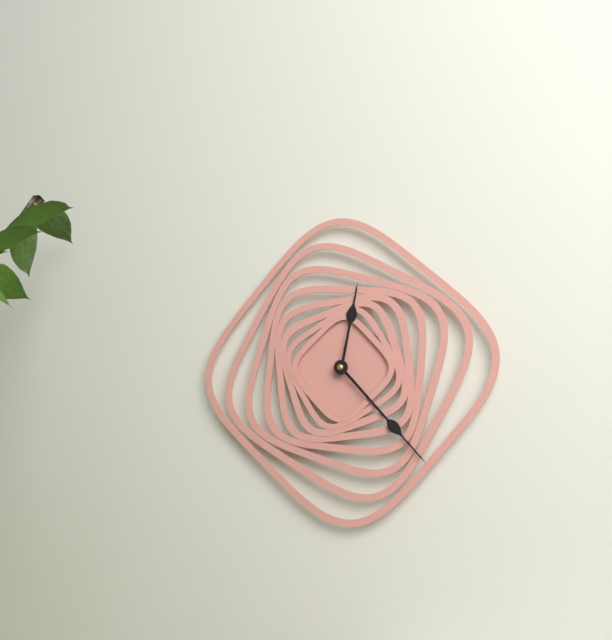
h=12 m=23
